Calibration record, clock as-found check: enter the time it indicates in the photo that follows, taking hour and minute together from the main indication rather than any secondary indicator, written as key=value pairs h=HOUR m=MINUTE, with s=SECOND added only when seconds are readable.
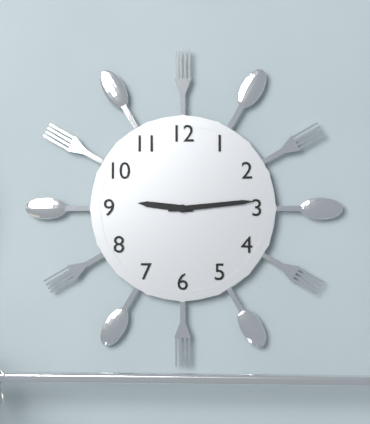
h=9 m=14
